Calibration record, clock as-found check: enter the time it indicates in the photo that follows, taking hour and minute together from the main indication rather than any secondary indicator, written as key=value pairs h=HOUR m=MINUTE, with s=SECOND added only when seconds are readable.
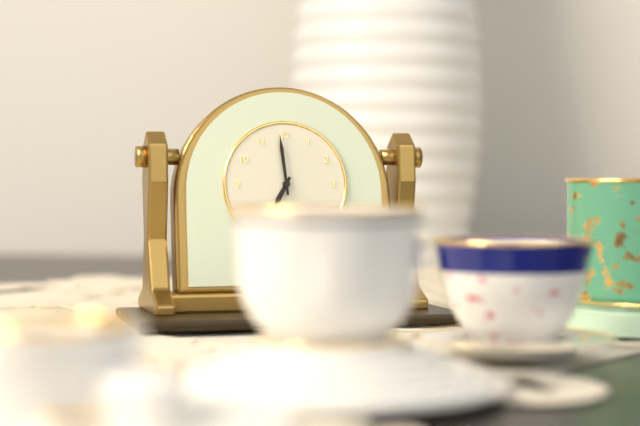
h=6 m=59
